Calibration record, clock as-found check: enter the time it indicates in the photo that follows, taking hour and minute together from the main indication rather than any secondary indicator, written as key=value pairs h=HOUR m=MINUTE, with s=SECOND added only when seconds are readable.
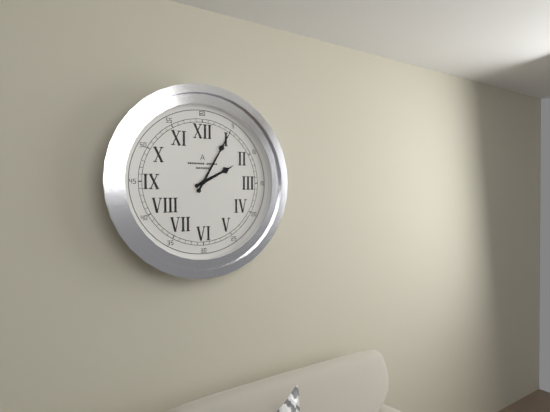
h=2 m=5
